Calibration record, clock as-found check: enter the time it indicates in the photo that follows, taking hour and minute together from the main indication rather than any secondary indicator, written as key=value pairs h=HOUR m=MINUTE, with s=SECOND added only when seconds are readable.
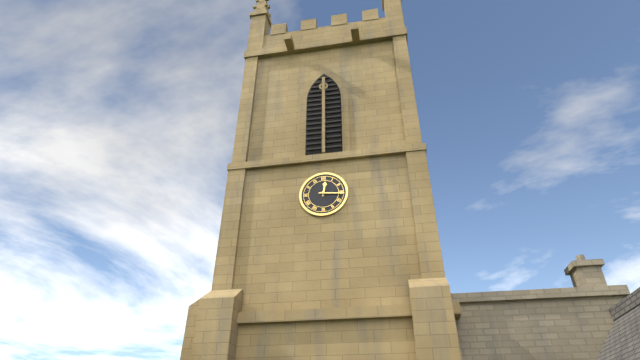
h=12 m=16
